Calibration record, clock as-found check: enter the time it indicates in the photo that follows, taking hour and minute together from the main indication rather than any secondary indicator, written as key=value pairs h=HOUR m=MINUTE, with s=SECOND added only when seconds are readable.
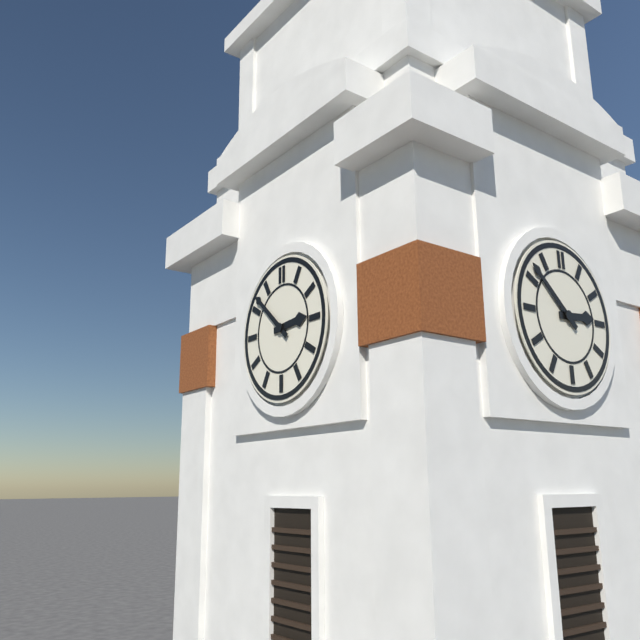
h=2 m=52
